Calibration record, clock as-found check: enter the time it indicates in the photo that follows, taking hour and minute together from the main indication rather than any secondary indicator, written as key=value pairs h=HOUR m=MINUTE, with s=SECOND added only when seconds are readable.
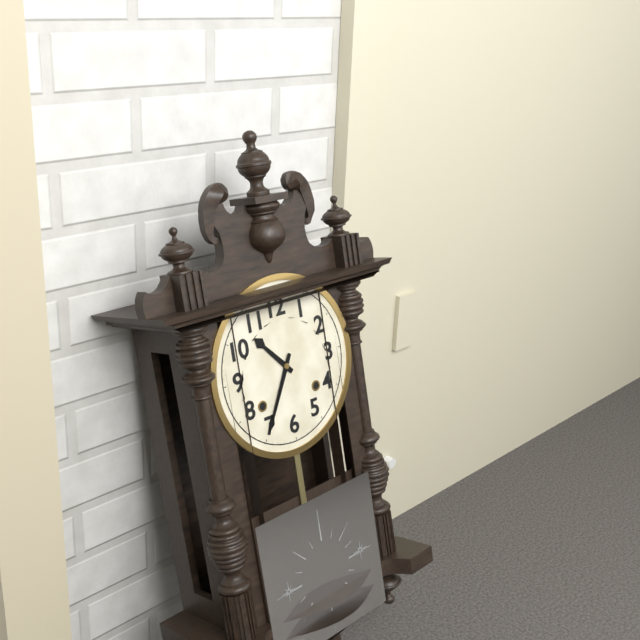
h=10 m=35
